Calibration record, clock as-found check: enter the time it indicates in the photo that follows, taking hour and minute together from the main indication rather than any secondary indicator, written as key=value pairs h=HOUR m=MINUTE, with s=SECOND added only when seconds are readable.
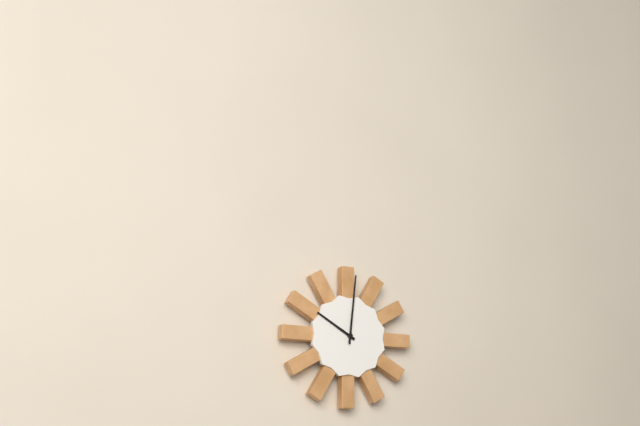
h=10 m=1
